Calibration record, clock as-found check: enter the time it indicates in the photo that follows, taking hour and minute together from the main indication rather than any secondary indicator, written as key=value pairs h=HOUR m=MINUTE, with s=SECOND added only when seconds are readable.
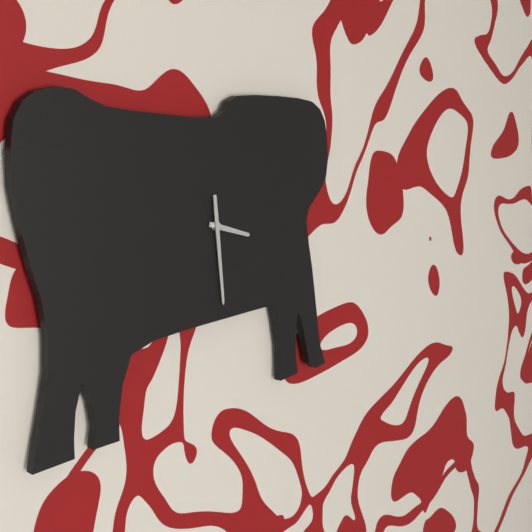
h=3 m=29
